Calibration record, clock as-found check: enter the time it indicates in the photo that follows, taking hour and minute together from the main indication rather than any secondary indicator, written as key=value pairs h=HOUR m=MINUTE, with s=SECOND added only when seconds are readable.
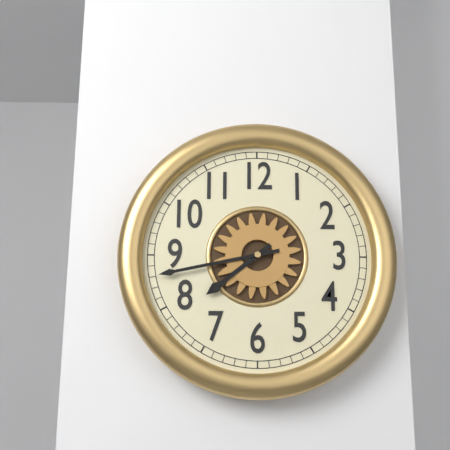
h=7 m=43
